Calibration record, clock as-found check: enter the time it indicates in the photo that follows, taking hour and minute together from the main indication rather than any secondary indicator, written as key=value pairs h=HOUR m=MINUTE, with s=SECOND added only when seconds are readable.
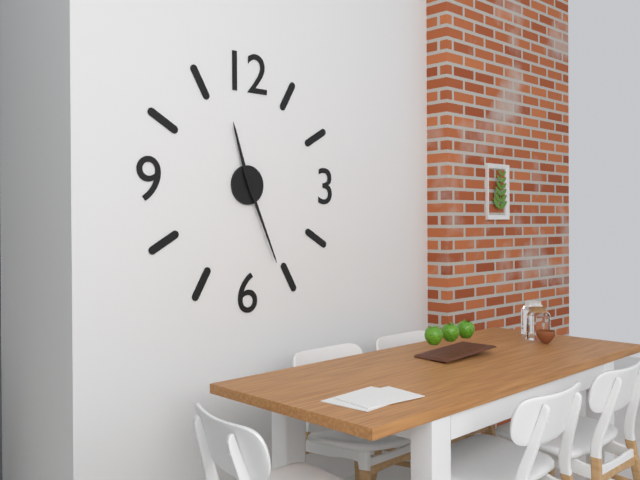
h=11 m=26
